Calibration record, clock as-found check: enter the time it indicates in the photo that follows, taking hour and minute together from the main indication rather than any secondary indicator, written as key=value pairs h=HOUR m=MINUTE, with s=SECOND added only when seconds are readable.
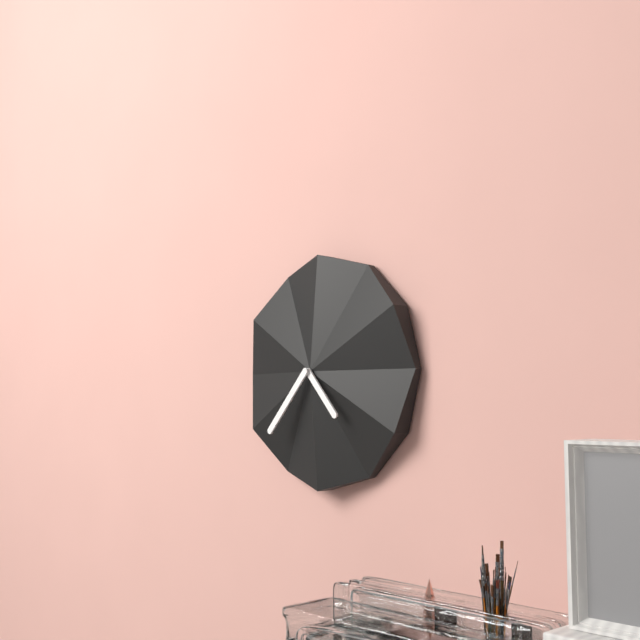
h=4 m=37
